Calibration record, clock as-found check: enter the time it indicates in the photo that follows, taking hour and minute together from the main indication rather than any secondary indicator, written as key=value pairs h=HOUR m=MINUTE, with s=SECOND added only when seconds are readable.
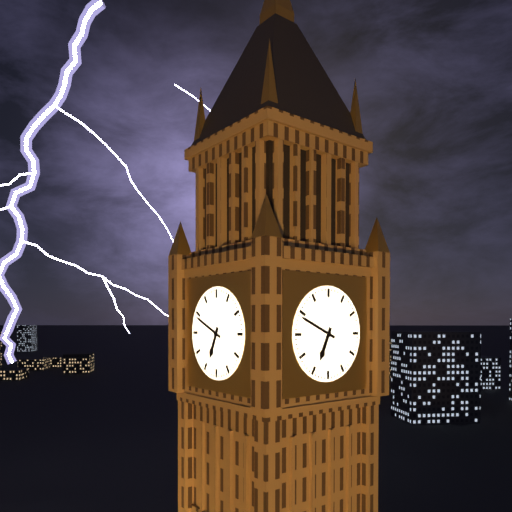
h=6 m=49
